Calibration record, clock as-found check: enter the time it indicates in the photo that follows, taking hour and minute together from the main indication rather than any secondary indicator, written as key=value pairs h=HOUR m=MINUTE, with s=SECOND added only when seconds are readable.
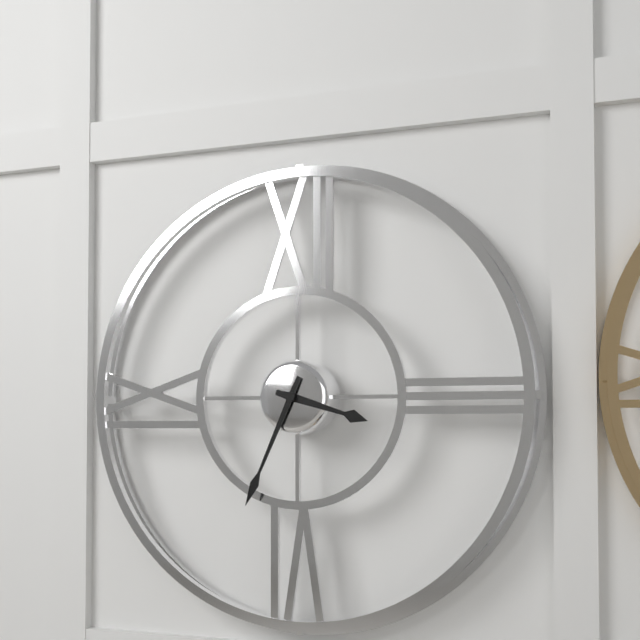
h=3 m=34
